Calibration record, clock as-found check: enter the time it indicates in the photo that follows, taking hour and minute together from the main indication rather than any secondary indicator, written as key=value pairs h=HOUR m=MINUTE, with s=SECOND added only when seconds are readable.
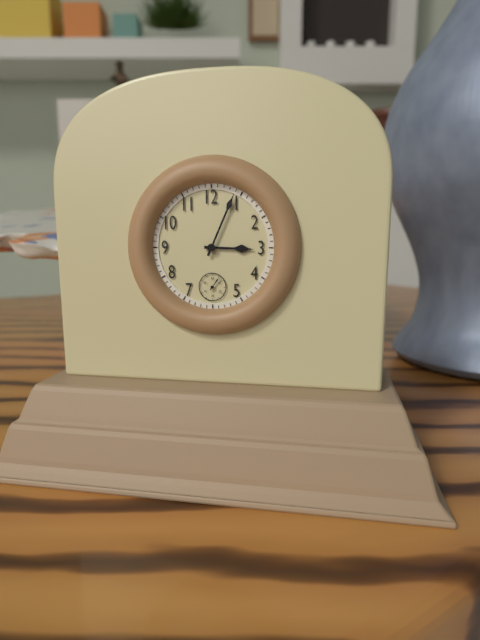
h=3 m=4
